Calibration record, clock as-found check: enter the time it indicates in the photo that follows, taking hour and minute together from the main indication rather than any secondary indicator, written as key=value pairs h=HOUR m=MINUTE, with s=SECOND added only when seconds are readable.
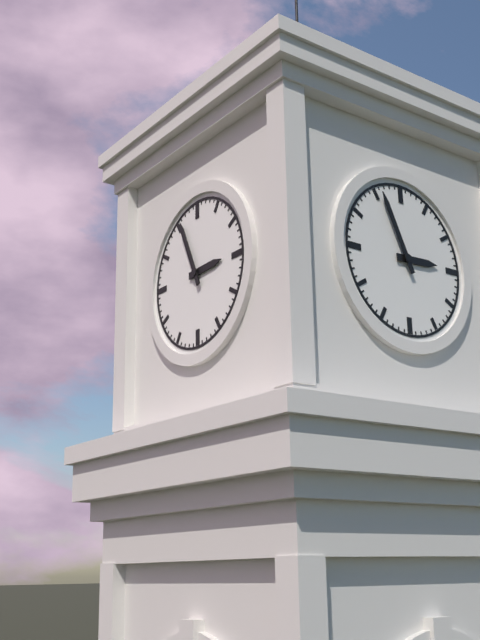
h=2 m=56
